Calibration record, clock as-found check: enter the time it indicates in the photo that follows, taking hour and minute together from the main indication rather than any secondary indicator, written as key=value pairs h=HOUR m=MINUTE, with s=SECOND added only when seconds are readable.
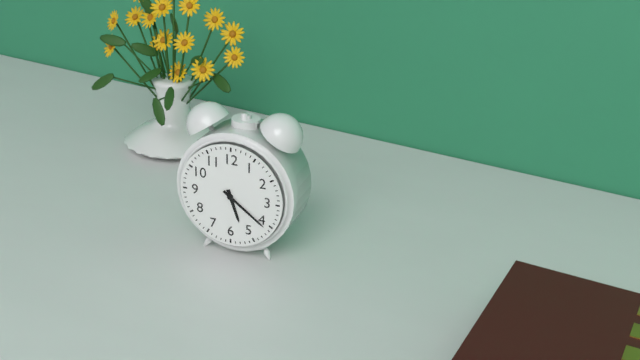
h=5 m=21
